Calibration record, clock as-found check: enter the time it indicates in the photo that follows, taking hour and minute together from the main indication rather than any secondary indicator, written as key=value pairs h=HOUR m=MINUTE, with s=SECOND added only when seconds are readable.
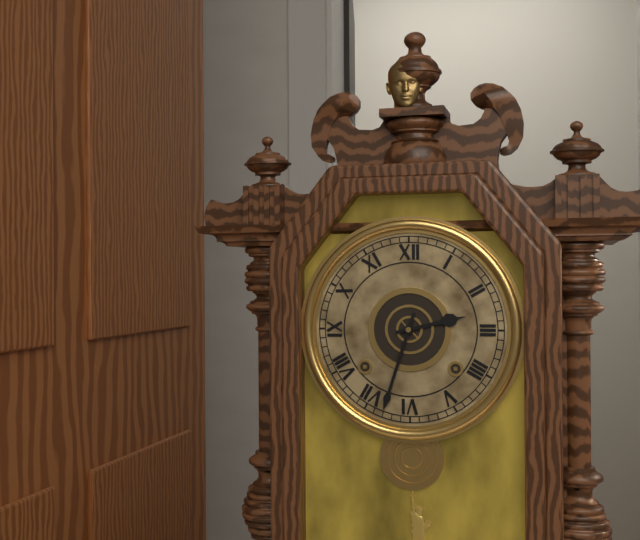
h=2 m=33
